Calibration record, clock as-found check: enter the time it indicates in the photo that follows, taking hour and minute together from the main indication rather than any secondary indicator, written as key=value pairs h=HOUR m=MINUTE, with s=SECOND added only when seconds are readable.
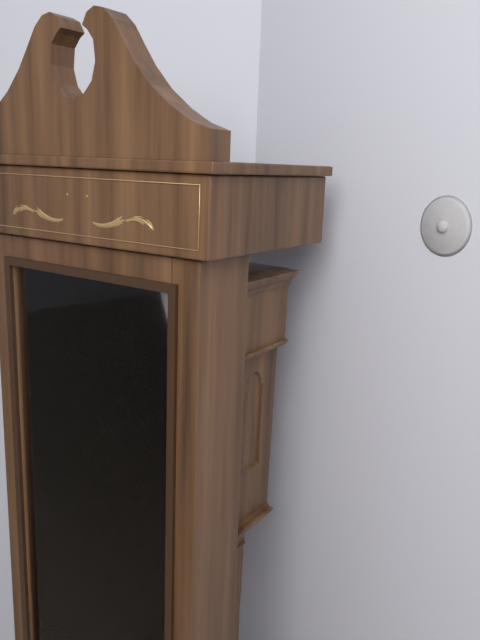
h=10 m=39
